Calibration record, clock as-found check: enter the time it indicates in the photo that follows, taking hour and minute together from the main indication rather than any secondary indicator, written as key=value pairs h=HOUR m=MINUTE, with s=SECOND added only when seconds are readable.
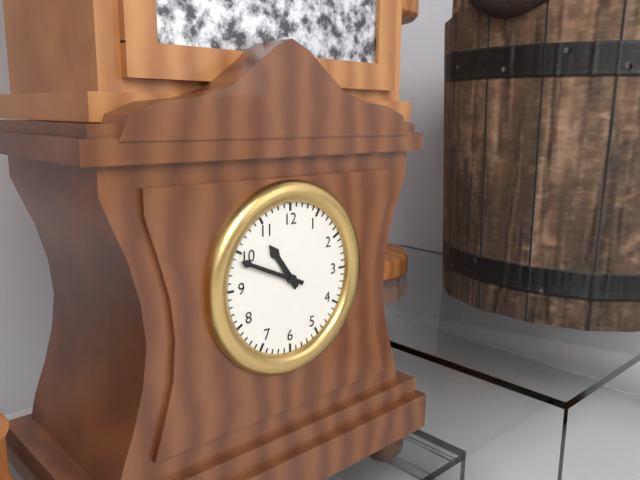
h=10 m=49
